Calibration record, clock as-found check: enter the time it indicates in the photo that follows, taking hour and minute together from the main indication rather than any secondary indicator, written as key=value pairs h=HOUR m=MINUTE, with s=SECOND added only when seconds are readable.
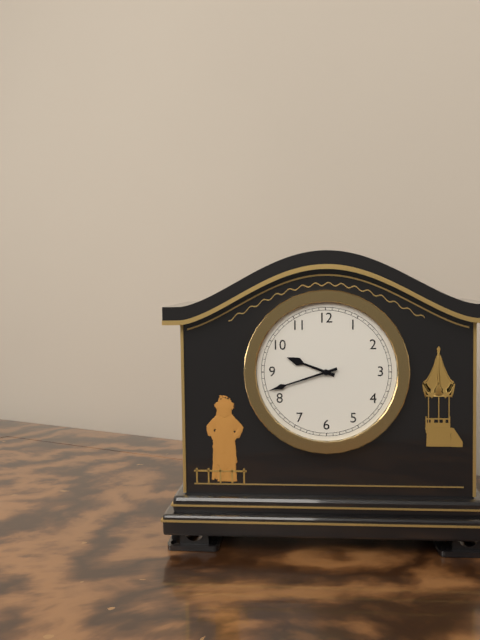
h=9 m=42
